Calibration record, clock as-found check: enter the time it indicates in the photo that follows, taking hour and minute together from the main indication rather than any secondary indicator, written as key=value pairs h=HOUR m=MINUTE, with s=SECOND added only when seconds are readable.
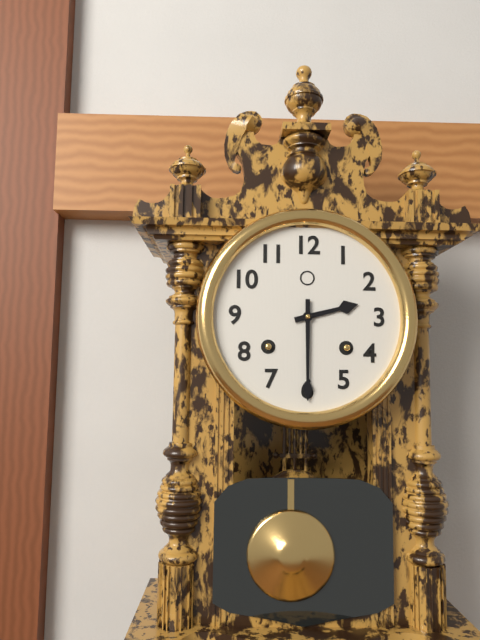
h=2 m=30
